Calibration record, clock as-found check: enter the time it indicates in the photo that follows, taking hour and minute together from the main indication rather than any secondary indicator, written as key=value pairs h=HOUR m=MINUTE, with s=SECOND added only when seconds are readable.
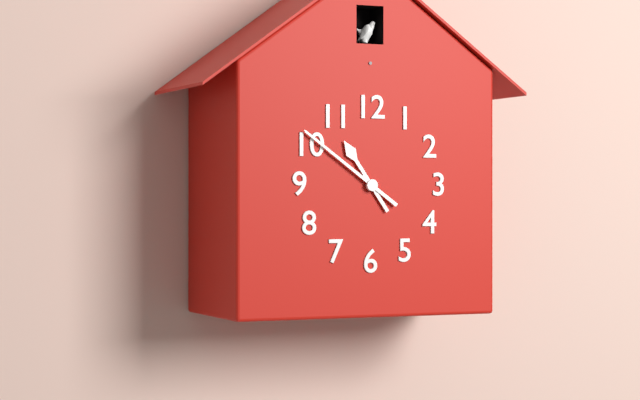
h=10 m=51
